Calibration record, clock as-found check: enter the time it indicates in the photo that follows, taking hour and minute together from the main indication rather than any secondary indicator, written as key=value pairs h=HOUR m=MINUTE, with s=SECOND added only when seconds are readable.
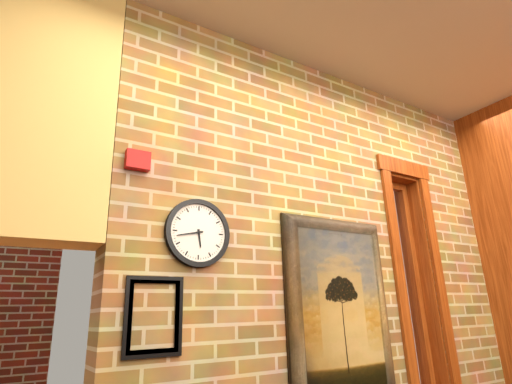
h=5 m=43
